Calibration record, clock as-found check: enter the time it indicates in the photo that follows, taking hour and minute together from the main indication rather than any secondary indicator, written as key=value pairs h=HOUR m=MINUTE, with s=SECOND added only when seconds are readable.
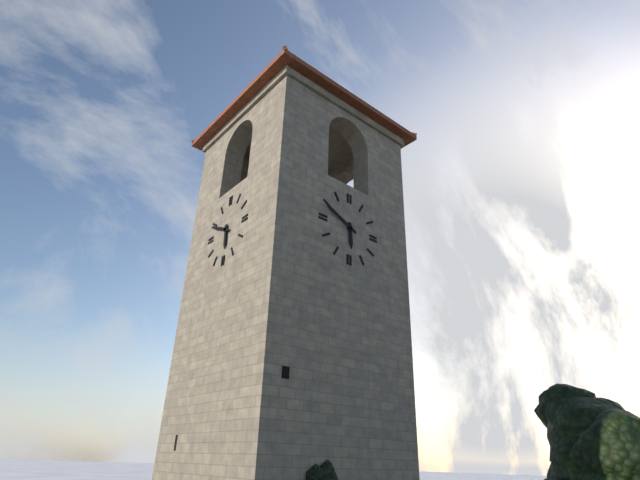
h=5 m=49
